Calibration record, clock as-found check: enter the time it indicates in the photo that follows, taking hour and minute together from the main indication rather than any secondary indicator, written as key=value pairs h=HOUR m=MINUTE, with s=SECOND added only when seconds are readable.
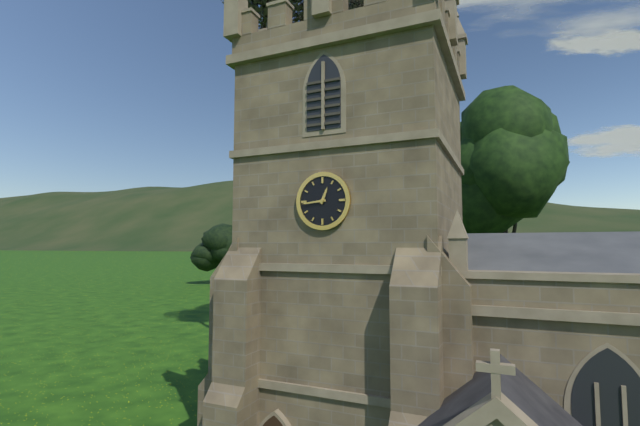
h=12 m=44
